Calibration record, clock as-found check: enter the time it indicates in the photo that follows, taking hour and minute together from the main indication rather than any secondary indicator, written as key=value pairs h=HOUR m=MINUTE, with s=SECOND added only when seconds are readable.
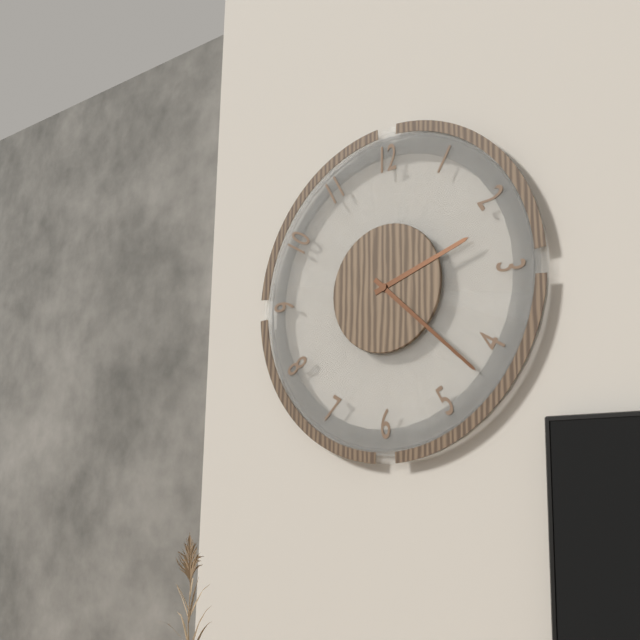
h=2 m=22
